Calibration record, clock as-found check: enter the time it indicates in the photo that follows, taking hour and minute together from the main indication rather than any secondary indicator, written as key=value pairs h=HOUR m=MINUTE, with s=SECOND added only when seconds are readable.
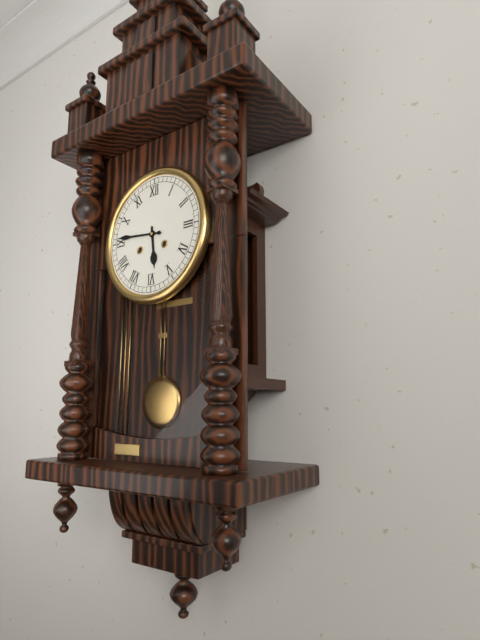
h=5 m=46
